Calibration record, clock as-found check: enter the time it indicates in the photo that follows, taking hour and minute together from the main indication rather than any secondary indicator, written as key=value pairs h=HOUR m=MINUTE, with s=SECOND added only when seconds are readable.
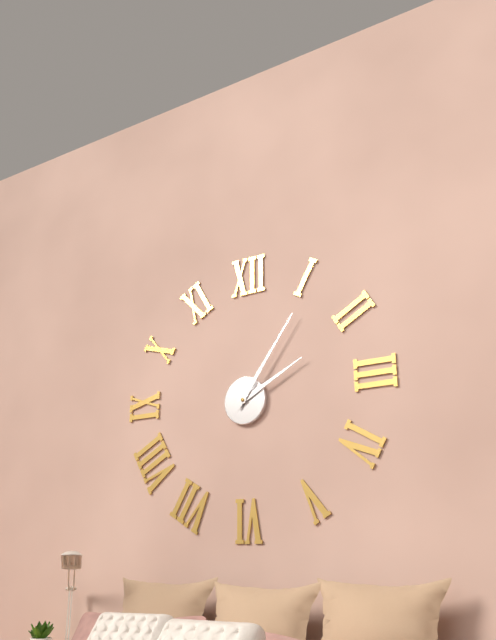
h=2 m=6
